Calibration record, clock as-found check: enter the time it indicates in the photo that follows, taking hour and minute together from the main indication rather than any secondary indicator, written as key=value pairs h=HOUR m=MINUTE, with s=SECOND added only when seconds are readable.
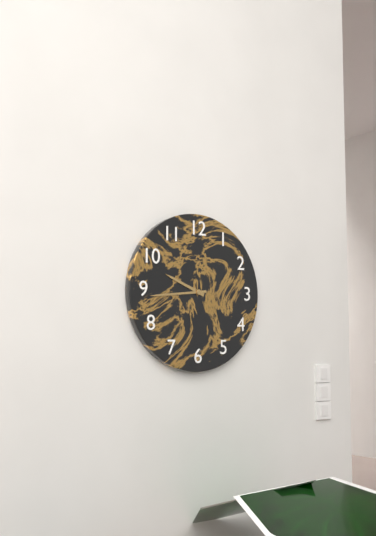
h=9 m=44
